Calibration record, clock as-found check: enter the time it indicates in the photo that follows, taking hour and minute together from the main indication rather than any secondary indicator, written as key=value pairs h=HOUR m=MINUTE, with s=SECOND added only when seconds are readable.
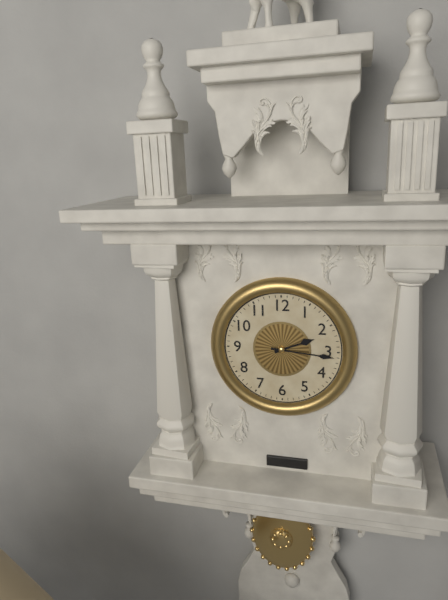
h=2 m=16
